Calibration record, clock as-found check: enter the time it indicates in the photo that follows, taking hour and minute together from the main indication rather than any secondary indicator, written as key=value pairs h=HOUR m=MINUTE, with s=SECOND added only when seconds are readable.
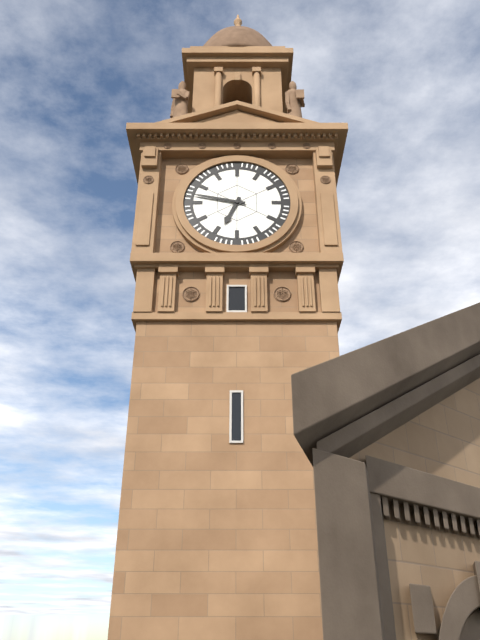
h=6 m=47
